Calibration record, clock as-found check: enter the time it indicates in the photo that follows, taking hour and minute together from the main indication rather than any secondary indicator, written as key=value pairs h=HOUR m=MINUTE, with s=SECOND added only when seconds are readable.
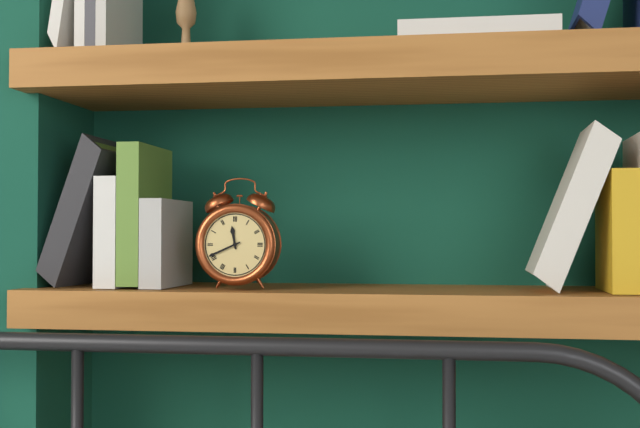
h=11 m=41
